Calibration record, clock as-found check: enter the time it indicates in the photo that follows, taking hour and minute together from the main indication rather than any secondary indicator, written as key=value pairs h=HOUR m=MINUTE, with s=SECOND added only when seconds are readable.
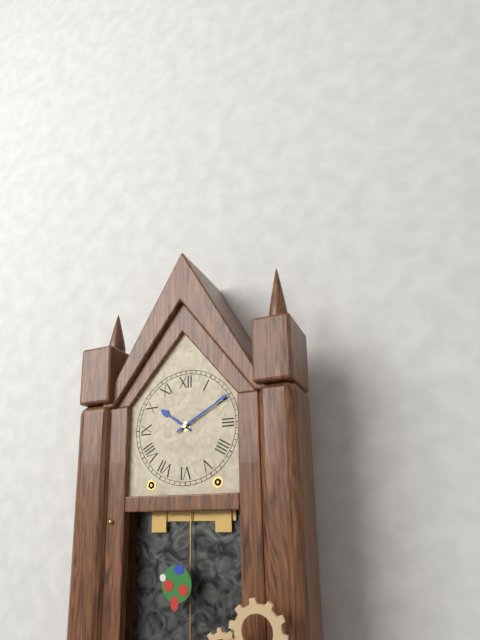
h=10 m=10
